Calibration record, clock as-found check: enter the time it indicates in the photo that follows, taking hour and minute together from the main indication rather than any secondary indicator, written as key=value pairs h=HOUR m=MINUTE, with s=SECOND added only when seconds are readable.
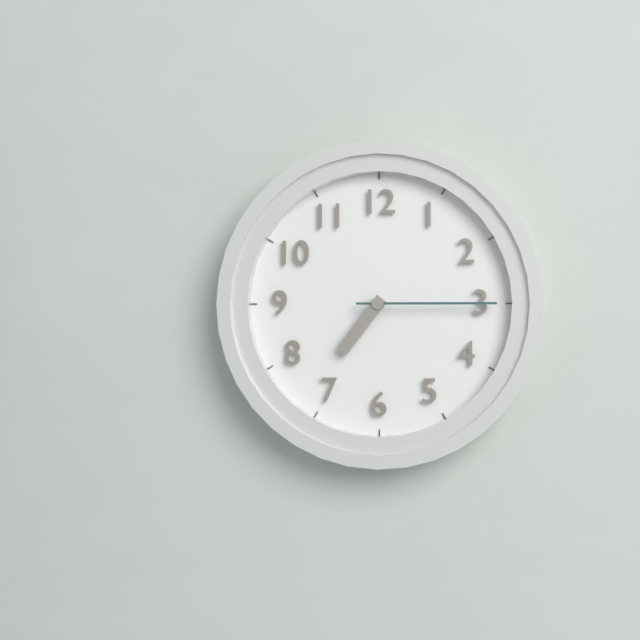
h=7 m=15
